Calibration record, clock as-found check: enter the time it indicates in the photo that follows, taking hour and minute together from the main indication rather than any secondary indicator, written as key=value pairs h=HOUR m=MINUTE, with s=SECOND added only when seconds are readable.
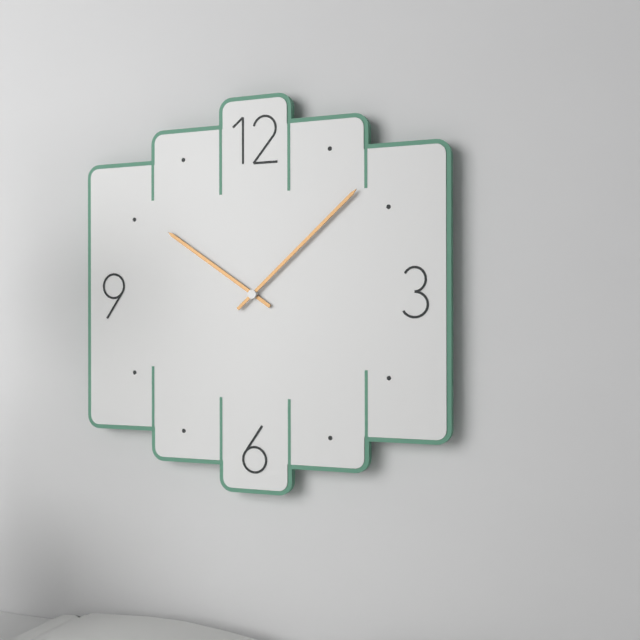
h=10 m=8
